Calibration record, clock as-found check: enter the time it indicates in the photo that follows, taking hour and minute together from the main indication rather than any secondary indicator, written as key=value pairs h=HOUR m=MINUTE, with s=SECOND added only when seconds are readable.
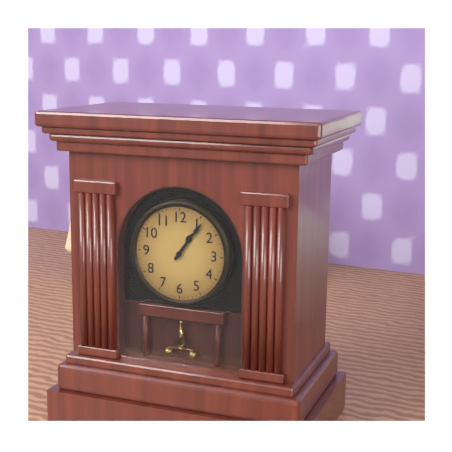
h=1 m=6
